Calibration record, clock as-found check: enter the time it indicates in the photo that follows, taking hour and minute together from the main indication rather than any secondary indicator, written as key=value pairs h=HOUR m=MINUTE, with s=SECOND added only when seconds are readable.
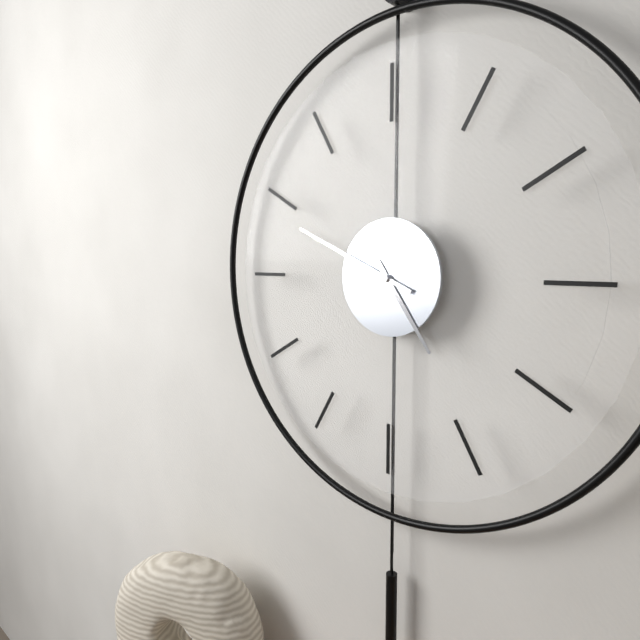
h=4 m=49
